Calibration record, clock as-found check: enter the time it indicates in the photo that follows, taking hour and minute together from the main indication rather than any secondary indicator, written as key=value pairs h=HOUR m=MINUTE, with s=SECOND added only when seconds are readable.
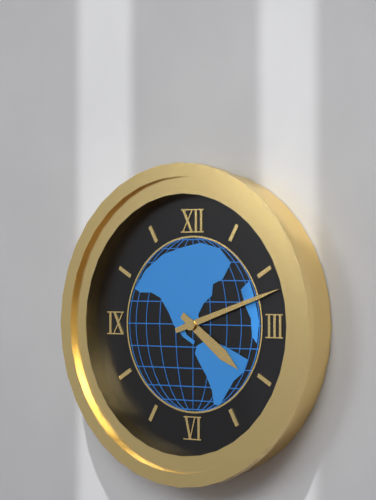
h=4 m=12
